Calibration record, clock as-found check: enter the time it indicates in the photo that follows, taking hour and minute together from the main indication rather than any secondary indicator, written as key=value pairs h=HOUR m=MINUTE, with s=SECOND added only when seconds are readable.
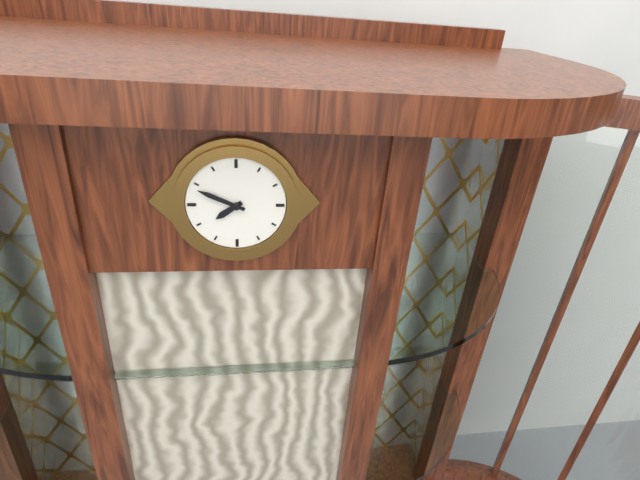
h=7 m=49
